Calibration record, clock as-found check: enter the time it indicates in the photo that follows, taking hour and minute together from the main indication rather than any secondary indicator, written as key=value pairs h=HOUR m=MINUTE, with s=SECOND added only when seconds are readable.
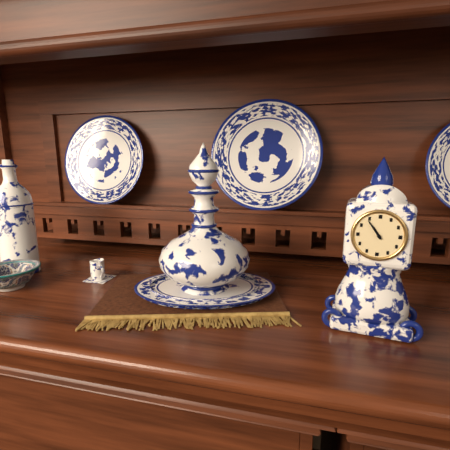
h=10 m=54
